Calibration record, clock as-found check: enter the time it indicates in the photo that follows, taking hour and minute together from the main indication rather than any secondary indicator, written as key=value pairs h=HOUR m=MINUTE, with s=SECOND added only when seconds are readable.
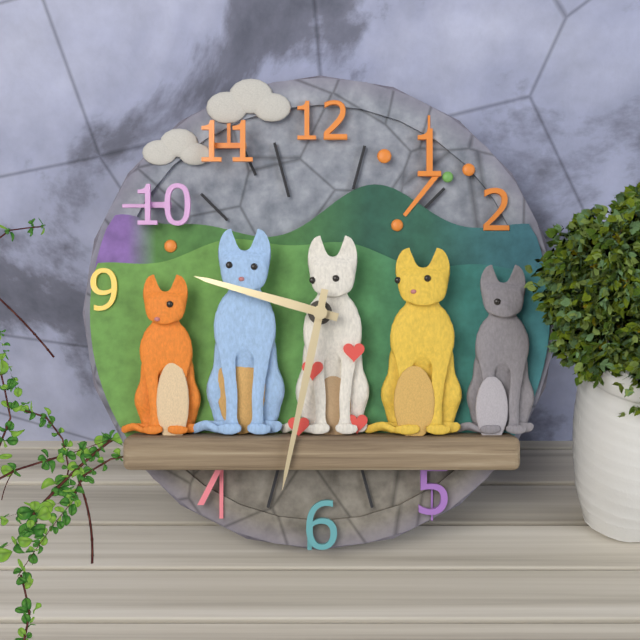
h=9 m=32
